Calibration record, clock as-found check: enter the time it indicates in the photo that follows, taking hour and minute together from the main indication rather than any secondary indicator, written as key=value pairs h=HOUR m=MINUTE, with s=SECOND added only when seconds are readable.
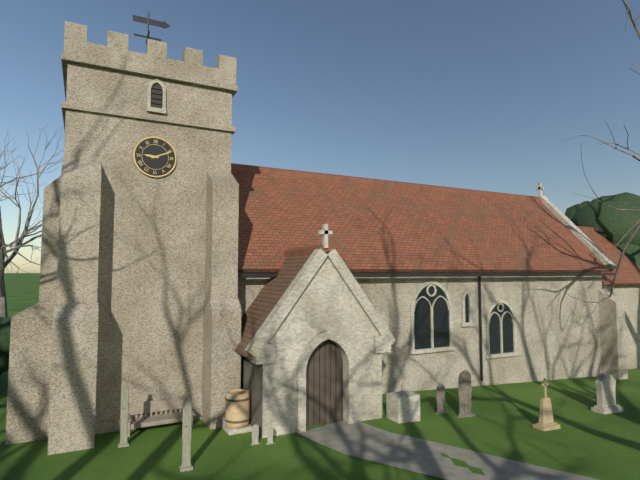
h=9 m=11
